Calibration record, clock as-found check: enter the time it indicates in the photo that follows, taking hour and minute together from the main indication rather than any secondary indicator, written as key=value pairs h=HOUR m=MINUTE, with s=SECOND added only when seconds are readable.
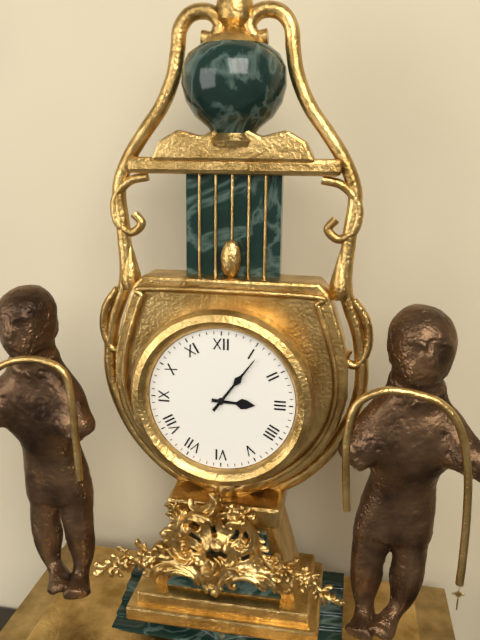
h=3 m=6
